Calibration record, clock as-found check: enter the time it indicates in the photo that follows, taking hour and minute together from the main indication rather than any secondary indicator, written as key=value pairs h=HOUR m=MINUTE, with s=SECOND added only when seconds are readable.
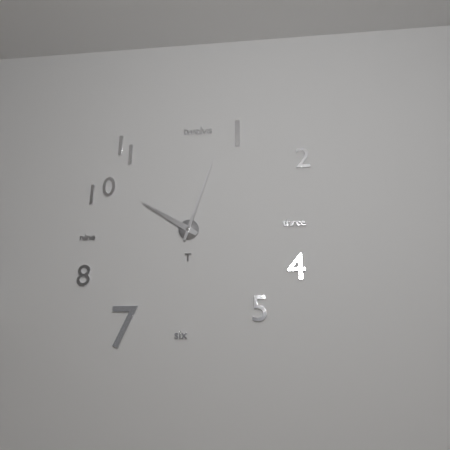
h=10 m=3
